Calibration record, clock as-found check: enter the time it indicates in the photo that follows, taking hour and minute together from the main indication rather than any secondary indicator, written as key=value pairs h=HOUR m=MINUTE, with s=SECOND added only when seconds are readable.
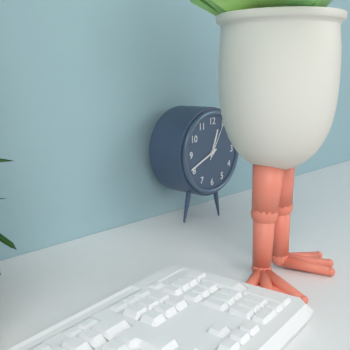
h=12 m=41
